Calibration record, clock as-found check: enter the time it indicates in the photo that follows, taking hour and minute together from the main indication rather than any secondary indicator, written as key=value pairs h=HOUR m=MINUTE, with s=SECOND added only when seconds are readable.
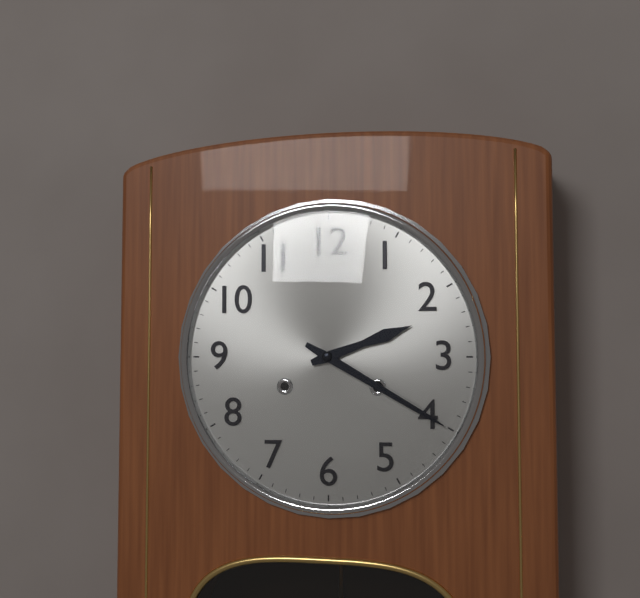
h=2 m=20
